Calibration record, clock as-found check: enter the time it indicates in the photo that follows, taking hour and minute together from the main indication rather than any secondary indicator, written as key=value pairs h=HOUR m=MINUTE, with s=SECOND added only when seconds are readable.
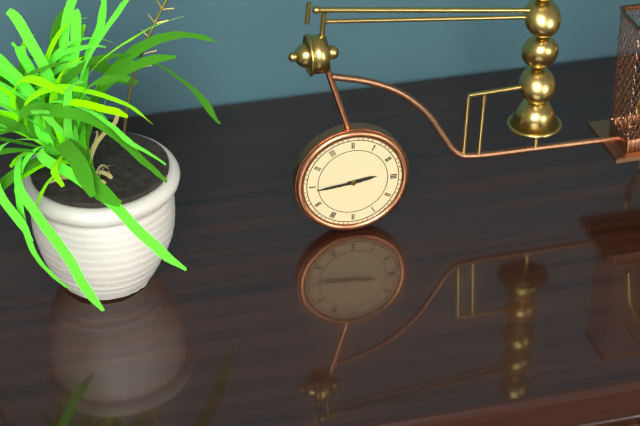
h=2 m=44
